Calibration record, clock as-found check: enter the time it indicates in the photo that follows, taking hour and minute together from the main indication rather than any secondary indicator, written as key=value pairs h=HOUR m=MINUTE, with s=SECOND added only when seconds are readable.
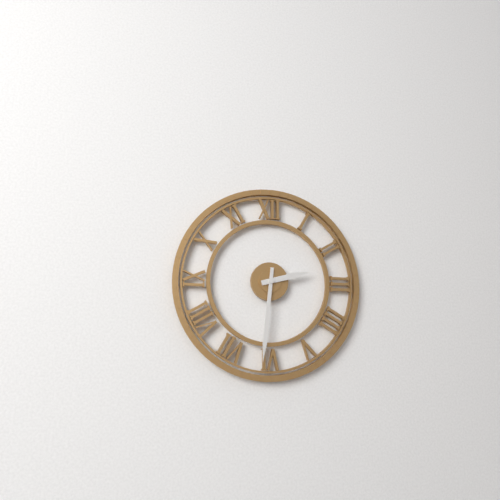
h=2 m=31
